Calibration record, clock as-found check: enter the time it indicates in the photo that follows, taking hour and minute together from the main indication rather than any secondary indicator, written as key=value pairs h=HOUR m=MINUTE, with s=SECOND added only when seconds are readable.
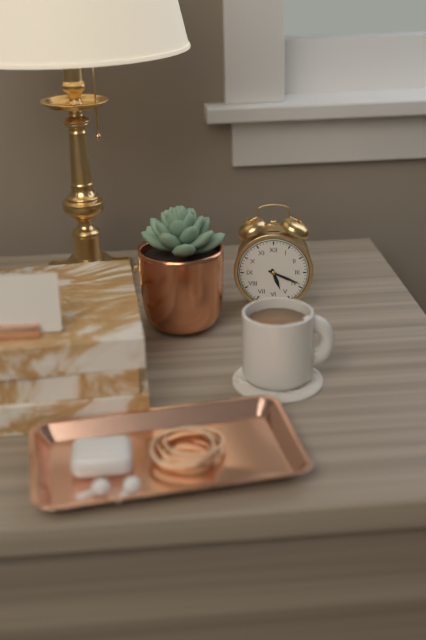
h=5 m=19
